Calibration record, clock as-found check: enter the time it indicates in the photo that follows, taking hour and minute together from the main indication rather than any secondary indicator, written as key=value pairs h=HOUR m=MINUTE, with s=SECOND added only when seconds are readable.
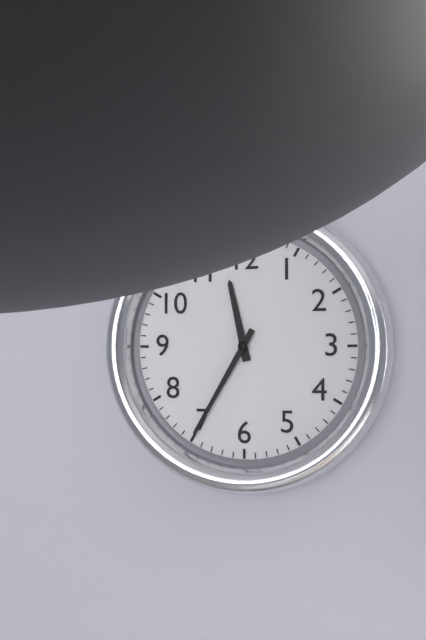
h=11 m=35
